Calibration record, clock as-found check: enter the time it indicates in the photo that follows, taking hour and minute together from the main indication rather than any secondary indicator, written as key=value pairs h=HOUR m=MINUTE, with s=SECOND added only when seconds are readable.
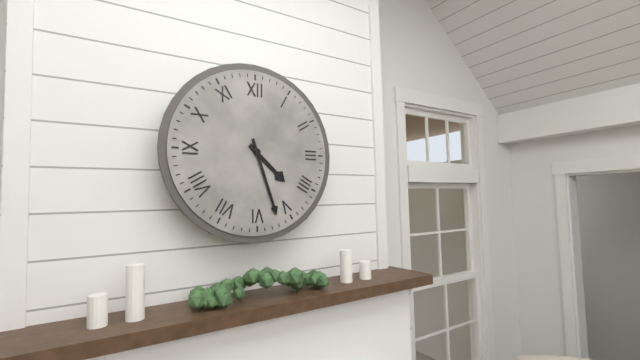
h=4 m=27
